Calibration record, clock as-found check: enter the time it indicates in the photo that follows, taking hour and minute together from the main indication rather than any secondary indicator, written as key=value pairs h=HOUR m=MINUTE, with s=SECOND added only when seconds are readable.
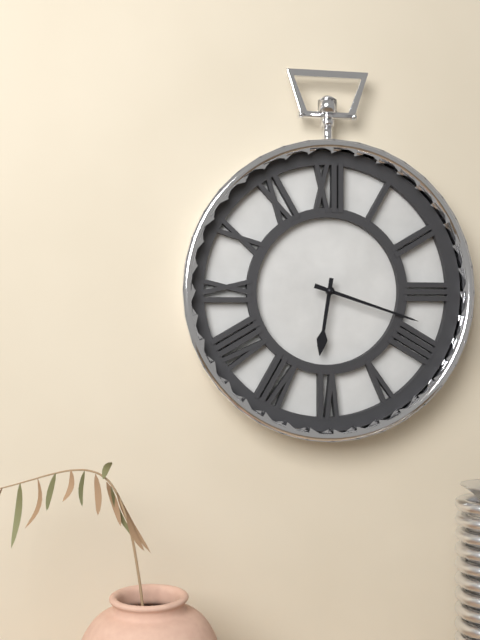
h=6 m=18
